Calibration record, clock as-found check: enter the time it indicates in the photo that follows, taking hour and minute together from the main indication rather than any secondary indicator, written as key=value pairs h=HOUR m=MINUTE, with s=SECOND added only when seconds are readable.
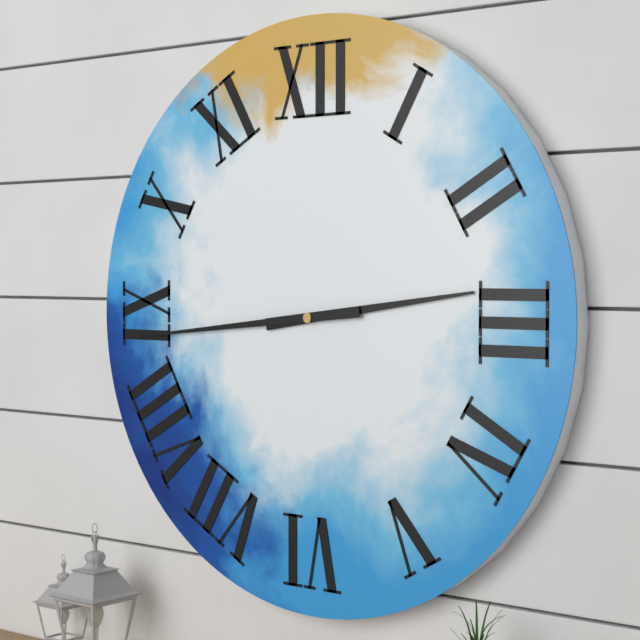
h=2 m=44
